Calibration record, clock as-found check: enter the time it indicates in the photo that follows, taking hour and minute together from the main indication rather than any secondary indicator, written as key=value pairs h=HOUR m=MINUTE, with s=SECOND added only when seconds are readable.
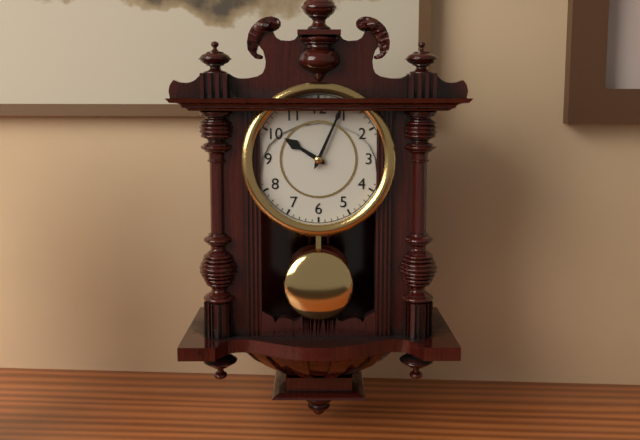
h=10 m=4
